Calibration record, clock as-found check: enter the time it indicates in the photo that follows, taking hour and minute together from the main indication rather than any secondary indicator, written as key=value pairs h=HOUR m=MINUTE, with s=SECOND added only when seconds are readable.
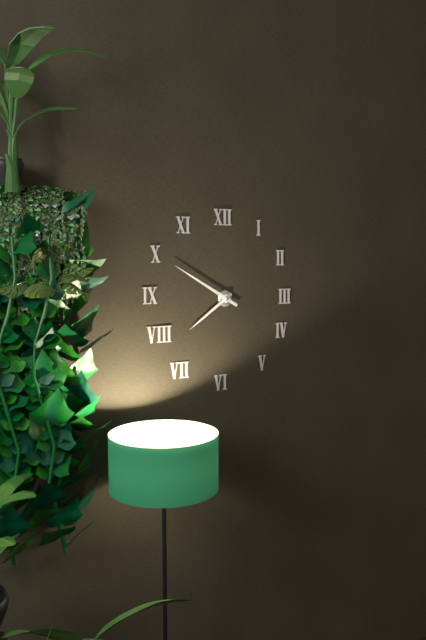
h=7 m=50
